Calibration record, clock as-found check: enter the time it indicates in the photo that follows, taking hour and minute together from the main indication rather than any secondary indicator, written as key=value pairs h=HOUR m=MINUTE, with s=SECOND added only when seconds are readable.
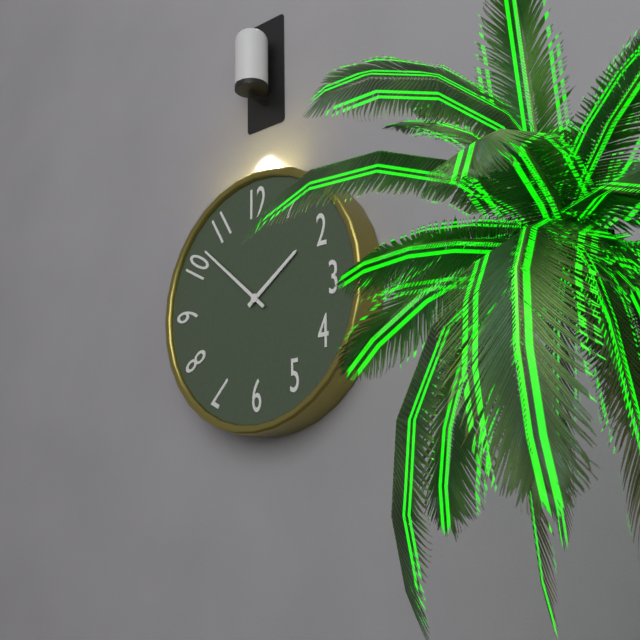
h=1 m=52
